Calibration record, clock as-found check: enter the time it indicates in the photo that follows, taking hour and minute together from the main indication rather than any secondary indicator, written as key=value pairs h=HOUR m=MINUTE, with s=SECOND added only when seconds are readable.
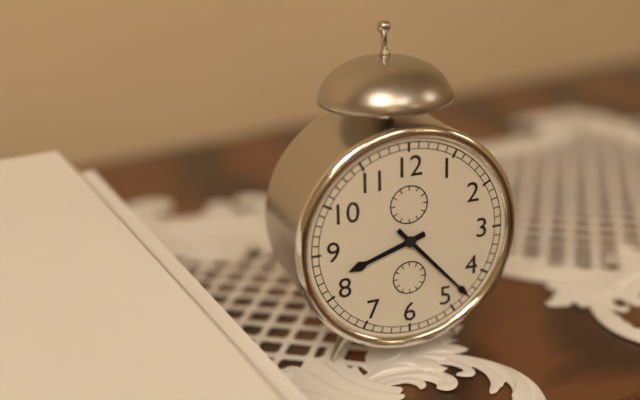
h=8 m=23
